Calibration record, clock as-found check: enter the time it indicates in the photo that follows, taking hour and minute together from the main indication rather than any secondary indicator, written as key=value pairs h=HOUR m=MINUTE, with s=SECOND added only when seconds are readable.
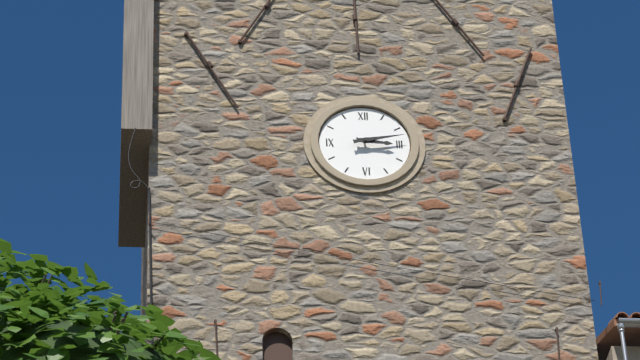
h=3 m=13
